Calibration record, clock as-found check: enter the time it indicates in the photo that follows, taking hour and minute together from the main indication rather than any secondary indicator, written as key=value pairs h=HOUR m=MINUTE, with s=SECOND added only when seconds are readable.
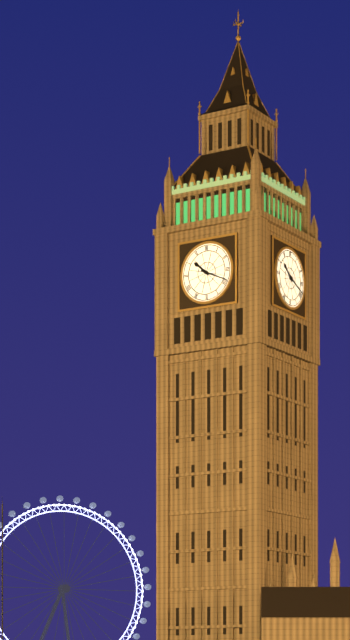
h=10 m=19
